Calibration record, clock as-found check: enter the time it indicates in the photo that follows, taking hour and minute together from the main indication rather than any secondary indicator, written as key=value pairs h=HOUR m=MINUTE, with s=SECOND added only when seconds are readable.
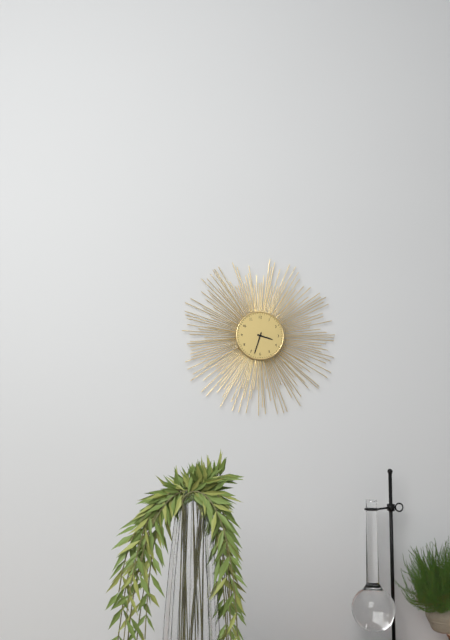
h=3 m=33
